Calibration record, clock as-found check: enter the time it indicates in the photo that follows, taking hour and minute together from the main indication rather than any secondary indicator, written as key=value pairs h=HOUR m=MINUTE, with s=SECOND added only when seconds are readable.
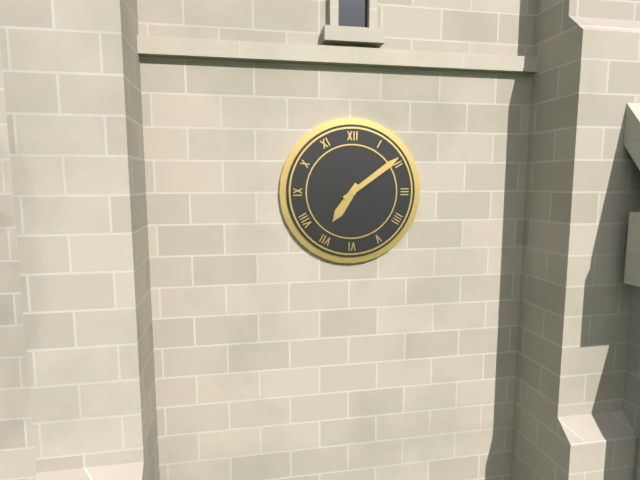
h=7 m=9
